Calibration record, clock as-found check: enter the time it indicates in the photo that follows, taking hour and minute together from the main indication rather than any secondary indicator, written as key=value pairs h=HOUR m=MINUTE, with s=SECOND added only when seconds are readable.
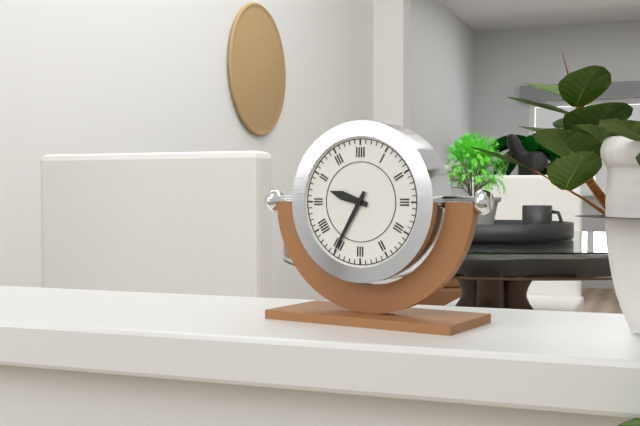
h=9 m=35
